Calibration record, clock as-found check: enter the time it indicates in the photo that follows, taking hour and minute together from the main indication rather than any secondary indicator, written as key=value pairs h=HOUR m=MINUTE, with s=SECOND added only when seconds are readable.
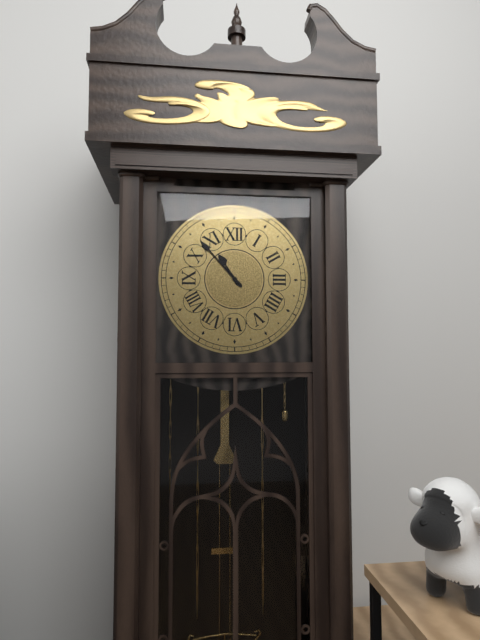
h=10 m=53
